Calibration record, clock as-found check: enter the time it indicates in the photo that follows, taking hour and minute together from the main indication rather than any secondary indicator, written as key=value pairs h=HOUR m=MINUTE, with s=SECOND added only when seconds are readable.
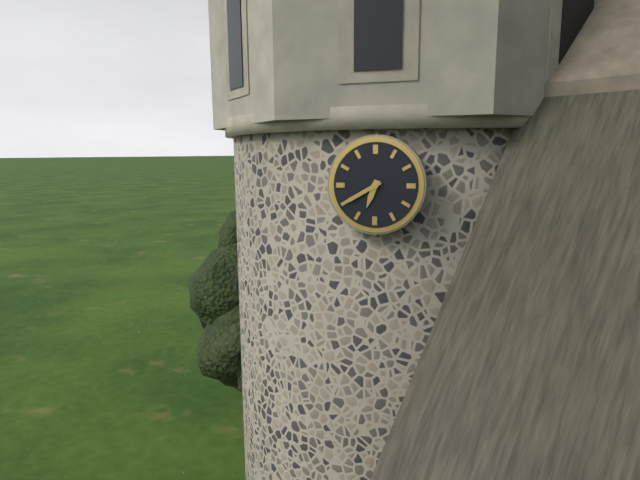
h=6 m=40
